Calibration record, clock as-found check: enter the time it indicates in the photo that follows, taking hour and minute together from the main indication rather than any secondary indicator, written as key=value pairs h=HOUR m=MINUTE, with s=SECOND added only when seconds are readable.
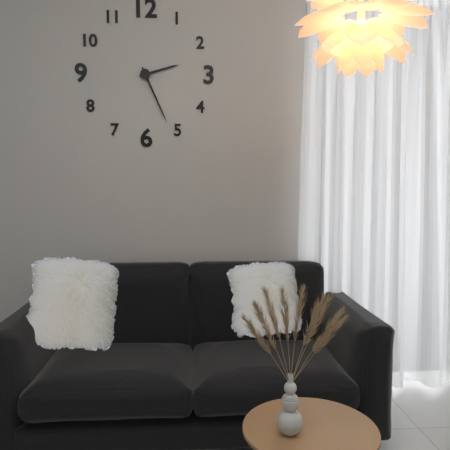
h=2 m=26
